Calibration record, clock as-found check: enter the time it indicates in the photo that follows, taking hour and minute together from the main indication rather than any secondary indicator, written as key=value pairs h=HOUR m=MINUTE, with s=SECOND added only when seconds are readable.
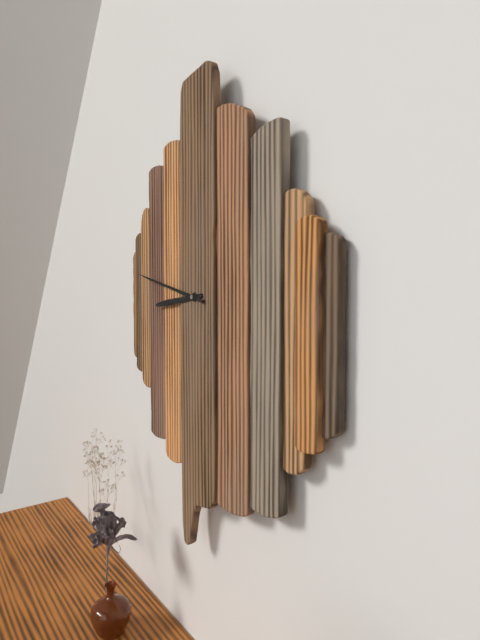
h=8 m=47
